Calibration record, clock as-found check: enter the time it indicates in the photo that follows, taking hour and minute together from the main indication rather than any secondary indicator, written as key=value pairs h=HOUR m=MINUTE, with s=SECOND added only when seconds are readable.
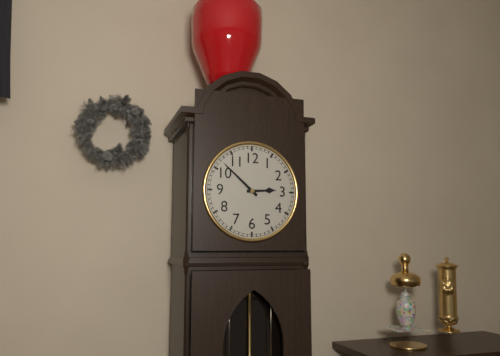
h=2 m=52
